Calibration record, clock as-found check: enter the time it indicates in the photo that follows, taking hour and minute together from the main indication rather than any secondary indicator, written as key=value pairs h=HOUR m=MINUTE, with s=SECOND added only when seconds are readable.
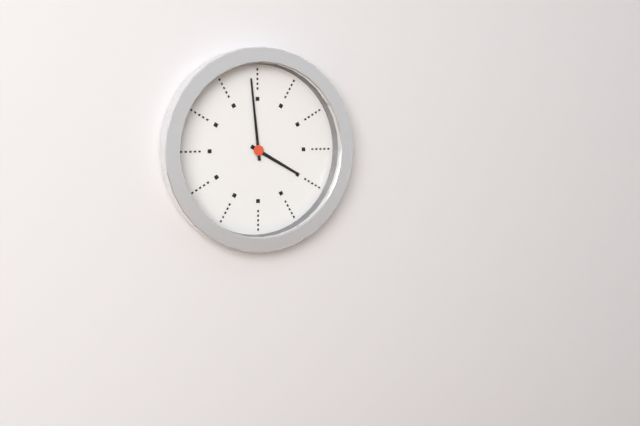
h=3 m=59
